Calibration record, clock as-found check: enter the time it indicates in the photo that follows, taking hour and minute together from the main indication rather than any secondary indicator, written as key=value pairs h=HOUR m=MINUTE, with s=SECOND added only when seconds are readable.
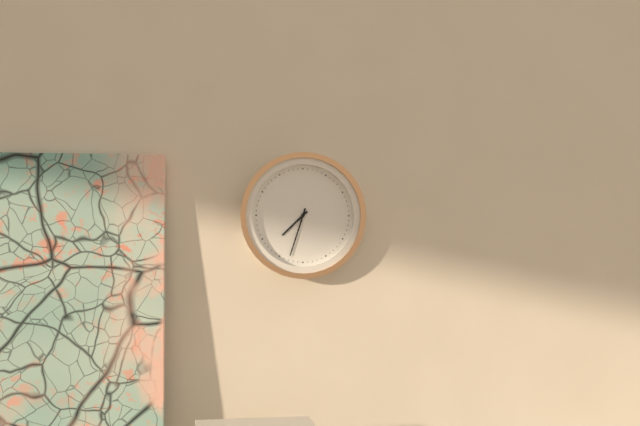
h=7 m=33
